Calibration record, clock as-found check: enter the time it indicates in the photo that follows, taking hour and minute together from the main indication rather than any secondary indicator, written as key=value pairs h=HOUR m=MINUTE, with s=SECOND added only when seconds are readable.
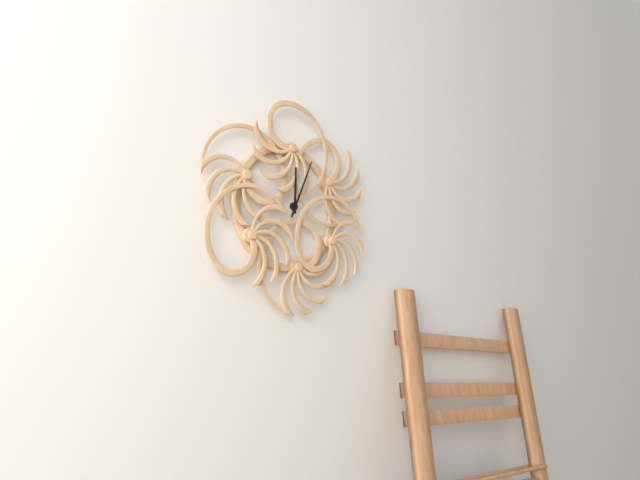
h=12 m=4
